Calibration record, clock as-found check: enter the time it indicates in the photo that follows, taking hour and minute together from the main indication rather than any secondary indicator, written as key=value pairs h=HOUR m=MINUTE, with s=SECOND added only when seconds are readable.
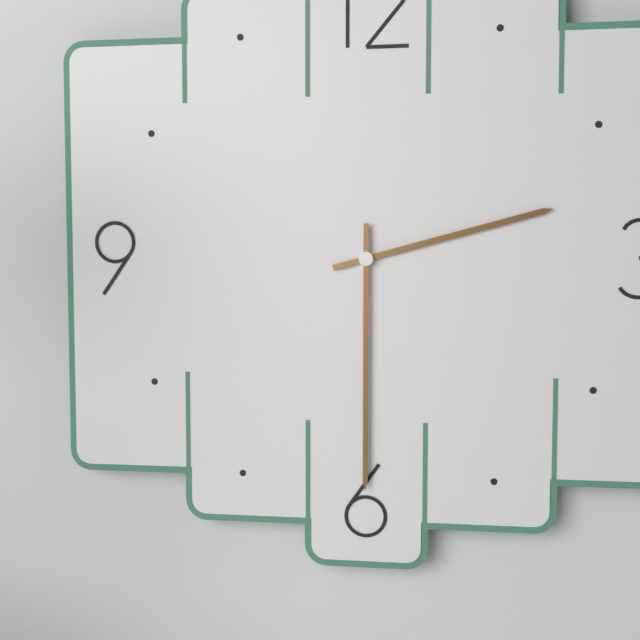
h=2 m=30
